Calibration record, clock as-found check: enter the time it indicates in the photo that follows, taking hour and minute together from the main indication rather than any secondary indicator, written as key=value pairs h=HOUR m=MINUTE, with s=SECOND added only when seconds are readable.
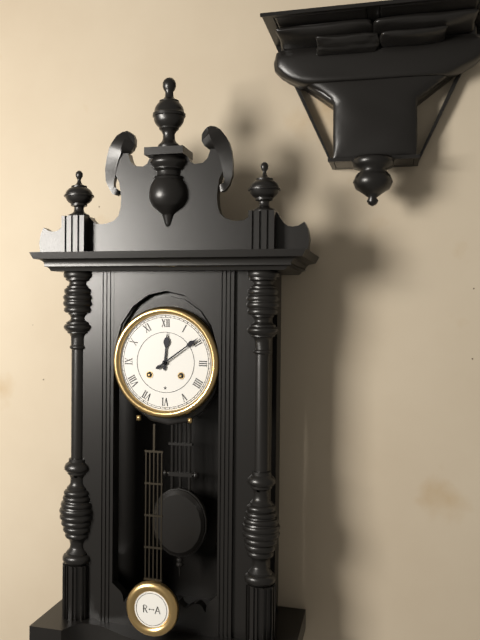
h=12 m=9
